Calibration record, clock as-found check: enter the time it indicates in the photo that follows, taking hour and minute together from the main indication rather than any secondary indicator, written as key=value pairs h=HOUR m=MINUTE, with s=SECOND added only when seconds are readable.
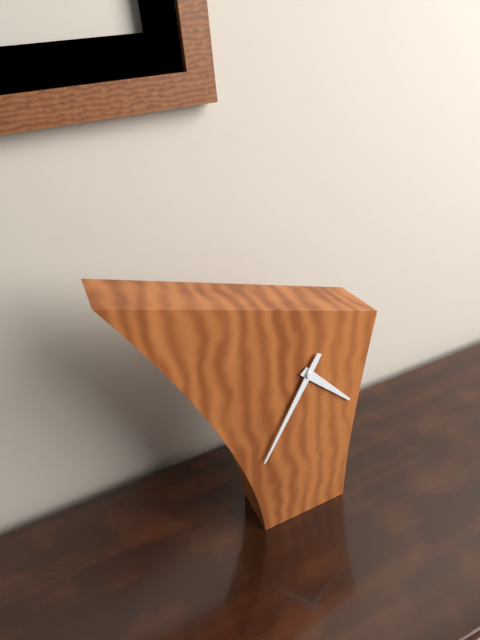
h=4 m=35
